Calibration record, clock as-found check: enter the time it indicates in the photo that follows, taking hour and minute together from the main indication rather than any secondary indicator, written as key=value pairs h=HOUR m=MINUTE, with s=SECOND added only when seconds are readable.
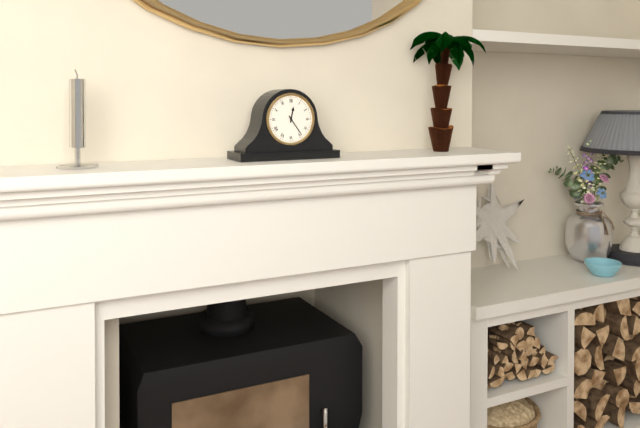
h=12 m=24
